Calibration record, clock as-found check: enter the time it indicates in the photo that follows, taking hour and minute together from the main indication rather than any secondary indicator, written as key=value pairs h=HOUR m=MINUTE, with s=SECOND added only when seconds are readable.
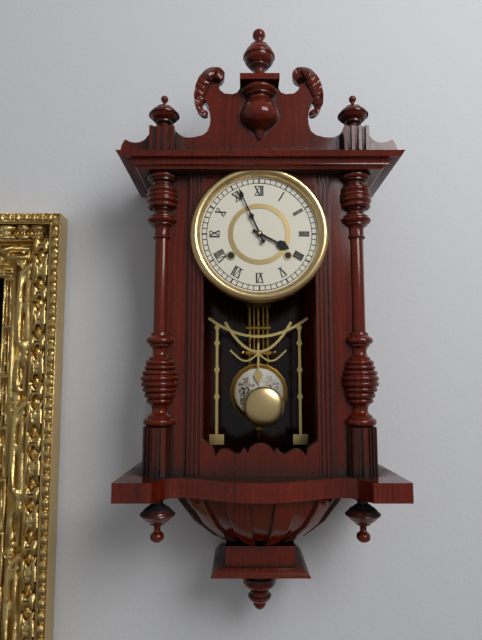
h=3 m=56
